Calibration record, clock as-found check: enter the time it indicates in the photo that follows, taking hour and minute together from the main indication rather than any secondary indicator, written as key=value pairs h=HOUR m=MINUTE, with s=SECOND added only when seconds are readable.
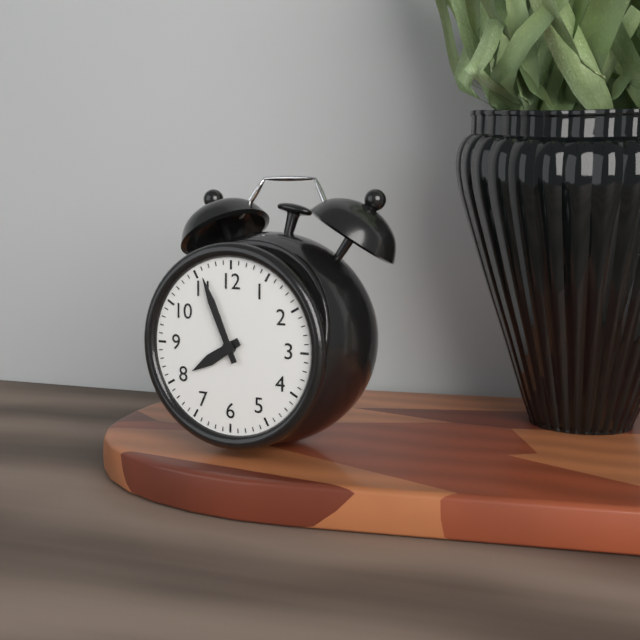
h=7 m=56
